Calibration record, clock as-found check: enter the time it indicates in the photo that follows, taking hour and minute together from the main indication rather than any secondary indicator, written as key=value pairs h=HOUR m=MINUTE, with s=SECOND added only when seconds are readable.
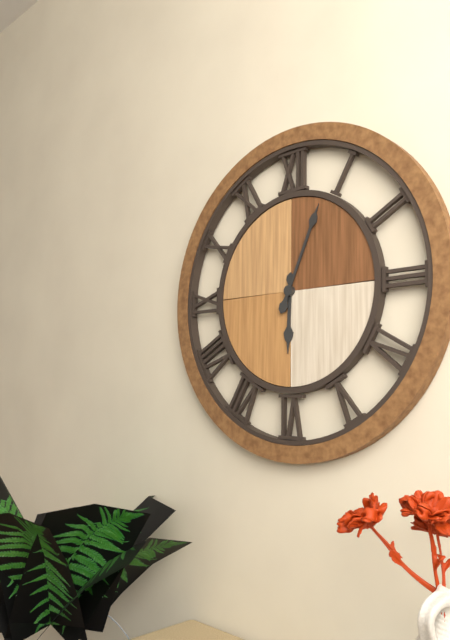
h=6 m=4
